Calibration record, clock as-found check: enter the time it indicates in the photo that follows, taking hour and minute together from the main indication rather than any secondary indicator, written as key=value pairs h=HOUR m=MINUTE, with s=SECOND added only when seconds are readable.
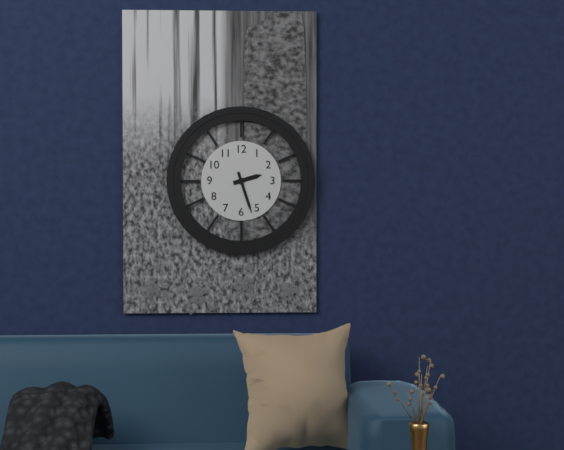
h=2 m=27
